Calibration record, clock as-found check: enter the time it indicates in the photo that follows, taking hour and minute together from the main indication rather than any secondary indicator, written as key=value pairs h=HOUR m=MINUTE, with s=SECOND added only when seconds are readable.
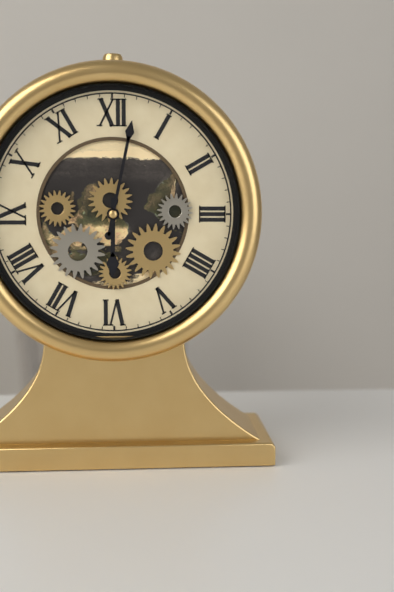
h=6 m=2
